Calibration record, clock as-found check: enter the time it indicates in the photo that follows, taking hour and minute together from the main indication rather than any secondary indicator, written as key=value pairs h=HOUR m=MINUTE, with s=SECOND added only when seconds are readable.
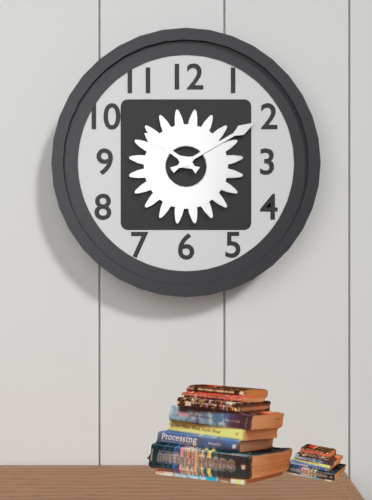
h=10 m=10
